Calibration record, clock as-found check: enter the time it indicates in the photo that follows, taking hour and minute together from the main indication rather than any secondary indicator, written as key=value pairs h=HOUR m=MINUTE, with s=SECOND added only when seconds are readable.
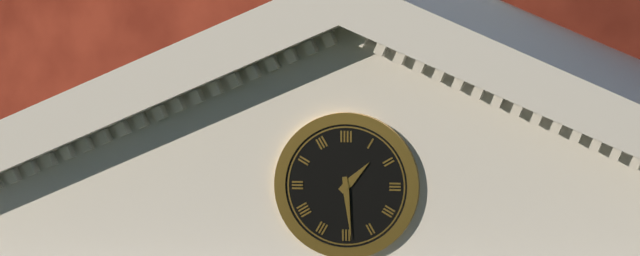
h=1 m=29
